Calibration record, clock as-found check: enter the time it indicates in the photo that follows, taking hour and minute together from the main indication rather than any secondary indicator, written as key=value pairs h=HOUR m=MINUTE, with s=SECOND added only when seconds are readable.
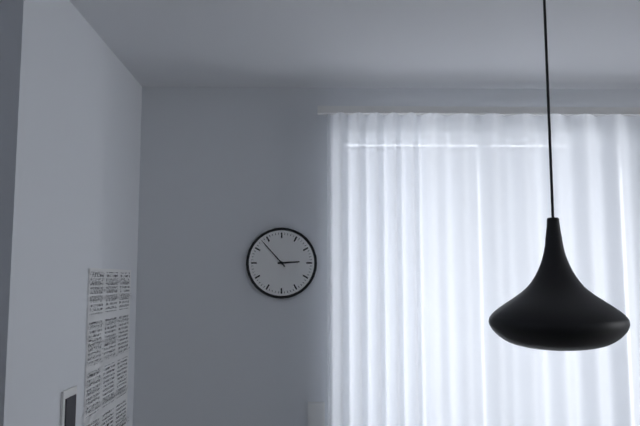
h=2 m=53
